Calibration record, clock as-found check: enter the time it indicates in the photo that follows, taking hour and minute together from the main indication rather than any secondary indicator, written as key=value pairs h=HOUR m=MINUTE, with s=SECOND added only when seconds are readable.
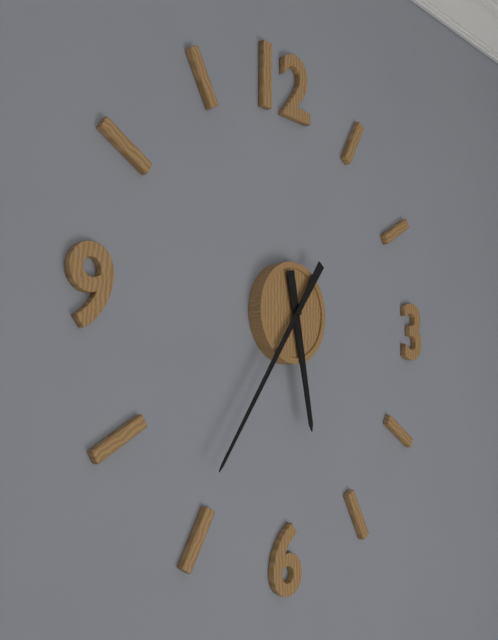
h=5 m=36
